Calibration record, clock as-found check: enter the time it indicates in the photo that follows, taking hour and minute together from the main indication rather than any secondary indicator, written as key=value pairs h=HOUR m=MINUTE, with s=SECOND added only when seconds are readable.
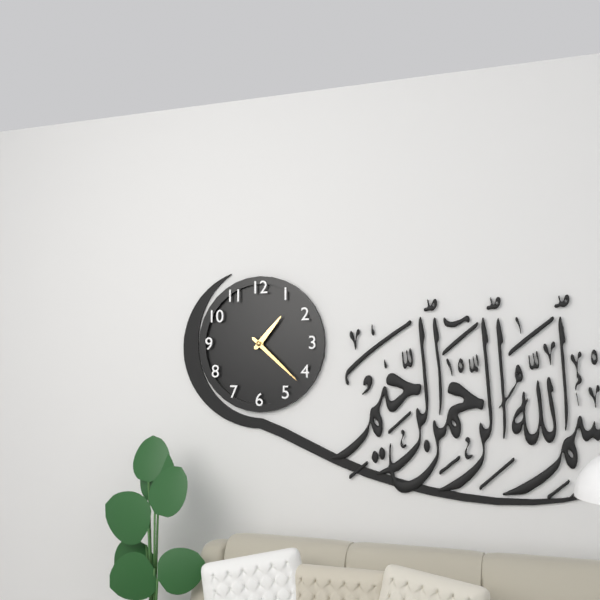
h=1 m=22
